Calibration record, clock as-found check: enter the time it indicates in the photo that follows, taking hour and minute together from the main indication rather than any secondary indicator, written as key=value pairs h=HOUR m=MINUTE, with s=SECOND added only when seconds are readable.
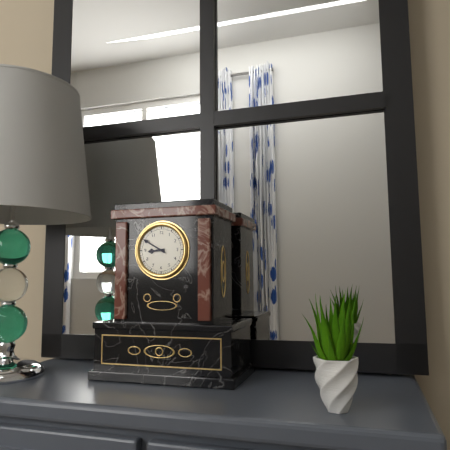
h=8 m=50
